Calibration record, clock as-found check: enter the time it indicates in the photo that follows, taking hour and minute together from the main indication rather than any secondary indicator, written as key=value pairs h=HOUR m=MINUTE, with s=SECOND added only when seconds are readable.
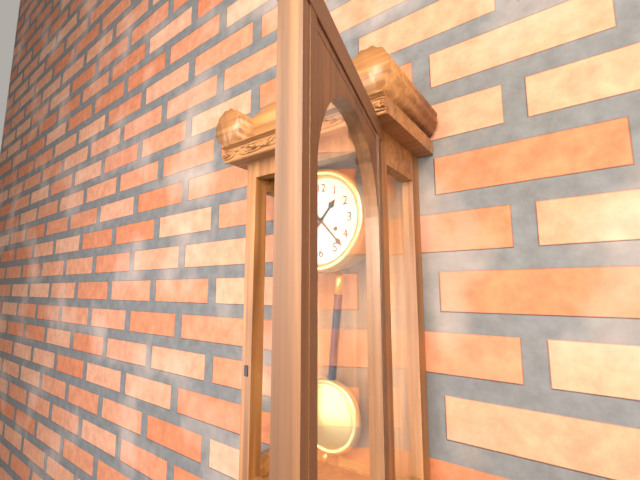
h=1 m=23
